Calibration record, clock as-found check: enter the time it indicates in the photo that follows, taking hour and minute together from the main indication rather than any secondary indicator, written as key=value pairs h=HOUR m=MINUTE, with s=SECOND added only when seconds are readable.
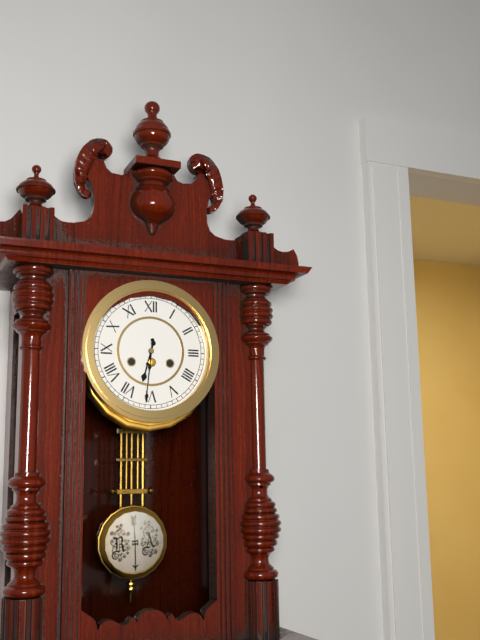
h=6 m=31
